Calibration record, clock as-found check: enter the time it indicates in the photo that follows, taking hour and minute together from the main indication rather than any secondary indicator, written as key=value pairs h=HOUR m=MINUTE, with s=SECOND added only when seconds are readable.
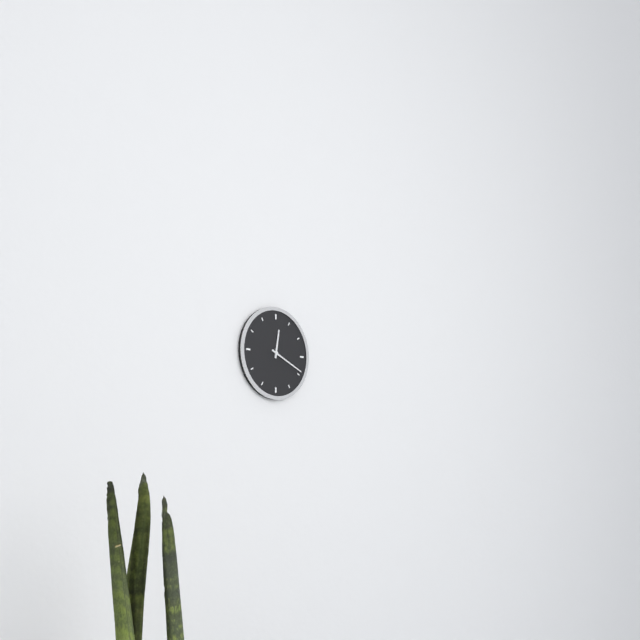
h=12 m=19
